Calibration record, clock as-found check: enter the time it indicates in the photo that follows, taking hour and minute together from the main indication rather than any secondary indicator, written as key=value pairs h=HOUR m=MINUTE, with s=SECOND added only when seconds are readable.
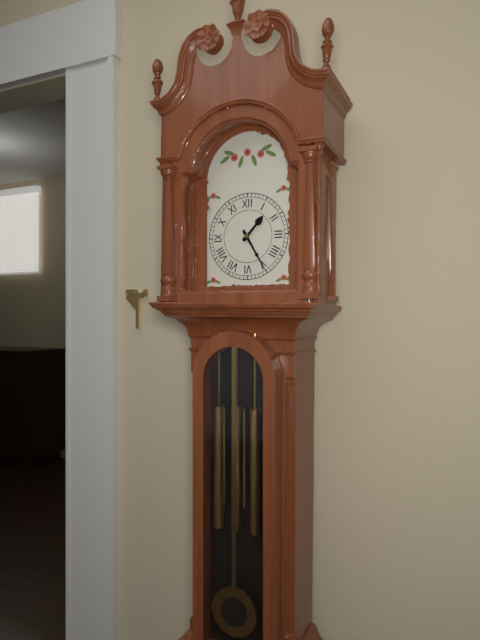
h=1 m=25
